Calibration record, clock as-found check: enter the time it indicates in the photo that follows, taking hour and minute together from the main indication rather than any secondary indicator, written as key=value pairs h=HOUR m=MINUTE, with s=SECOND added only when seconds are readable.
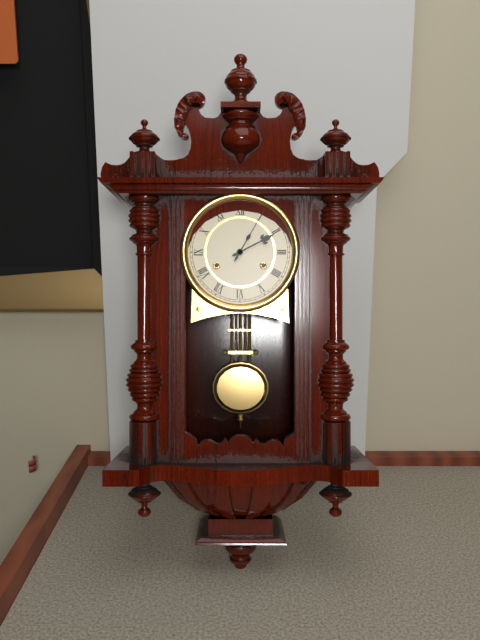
h=2 m=5
